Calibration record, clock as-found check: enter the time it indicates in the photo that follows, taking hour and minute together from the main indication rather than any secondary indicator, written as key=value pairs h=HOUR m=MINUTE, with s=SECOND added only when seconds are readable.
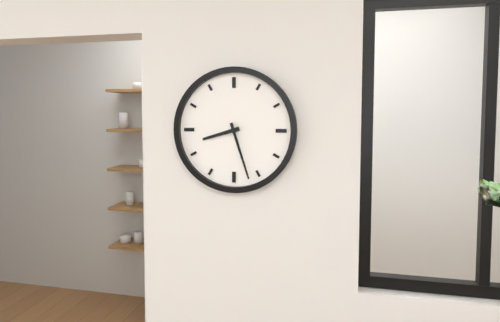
h=8 m=27
